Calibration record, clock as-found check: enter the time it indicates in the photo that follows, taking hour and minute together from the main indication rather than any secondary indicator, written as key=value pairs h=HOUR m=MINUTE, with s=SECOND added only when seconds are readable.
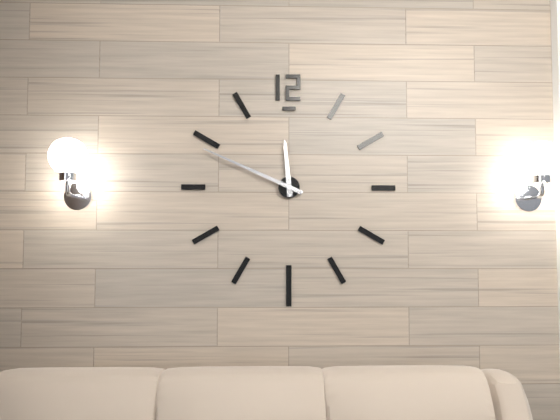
h=11 m=49
